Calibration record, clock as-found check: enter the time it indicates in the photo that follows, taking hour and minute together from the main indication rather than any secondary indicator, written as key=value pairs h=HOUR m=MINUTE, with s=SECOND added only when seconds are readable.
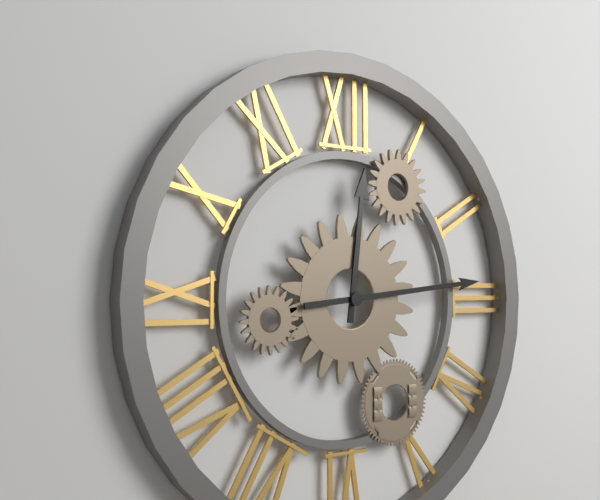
h=12 m=14
